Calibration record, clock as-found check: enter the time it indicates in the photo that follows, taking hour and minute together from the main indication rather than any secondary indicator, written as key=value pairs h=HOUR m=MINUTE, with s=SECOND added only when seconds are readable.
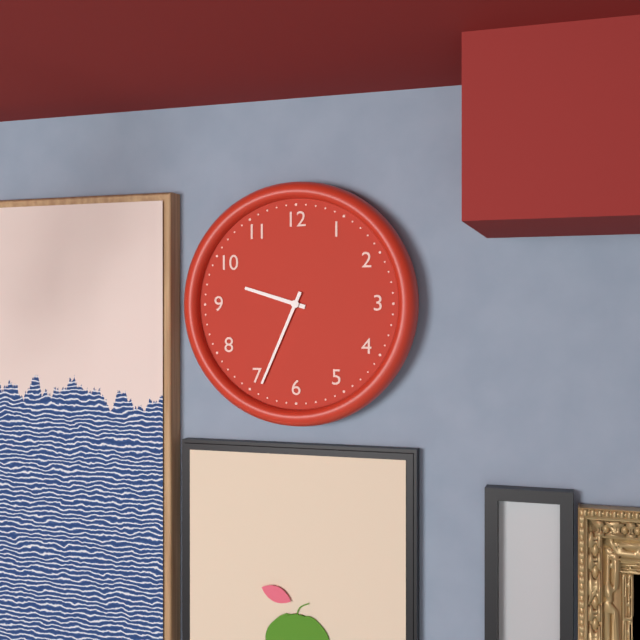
h=9 m=34
